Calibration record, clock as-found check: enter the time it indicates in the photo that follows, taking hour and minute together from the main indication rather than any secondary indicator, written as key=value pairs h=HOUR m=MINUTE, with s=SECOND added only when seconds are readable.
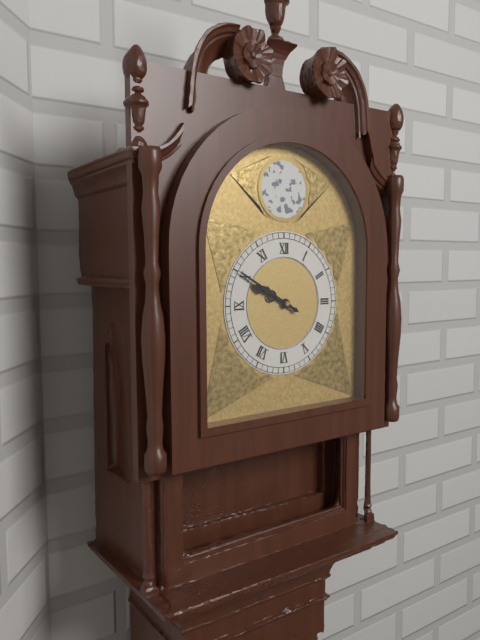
h=9 m=50
